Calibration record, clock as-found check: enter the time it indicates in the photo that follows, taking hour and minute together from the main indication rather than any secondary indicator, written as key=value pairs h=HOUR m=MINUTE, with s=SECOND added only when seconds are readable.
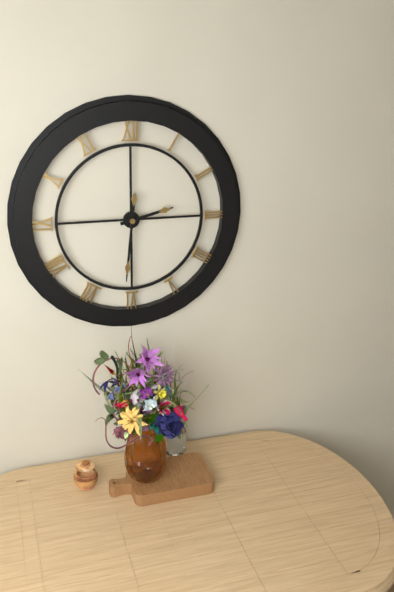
h=2 m=31
